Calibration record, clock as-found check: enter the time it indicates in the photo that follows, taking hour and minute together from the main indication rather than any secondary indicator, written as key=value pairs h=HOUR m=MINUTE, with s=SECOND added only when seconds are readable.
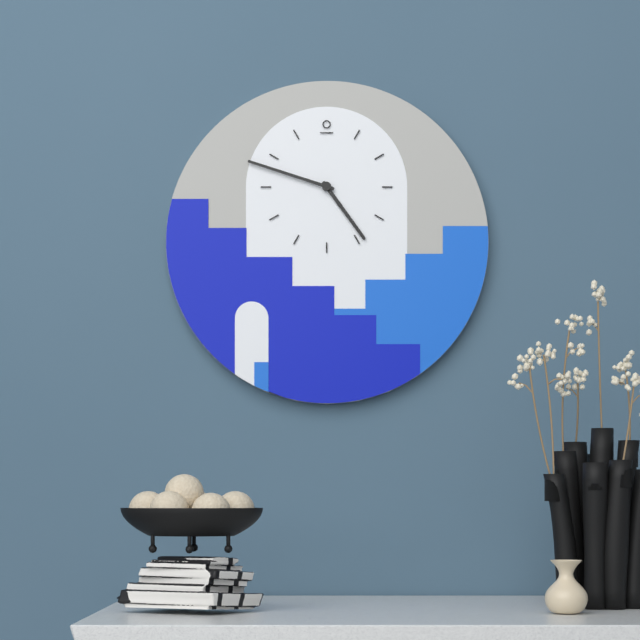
h=4 m=48
